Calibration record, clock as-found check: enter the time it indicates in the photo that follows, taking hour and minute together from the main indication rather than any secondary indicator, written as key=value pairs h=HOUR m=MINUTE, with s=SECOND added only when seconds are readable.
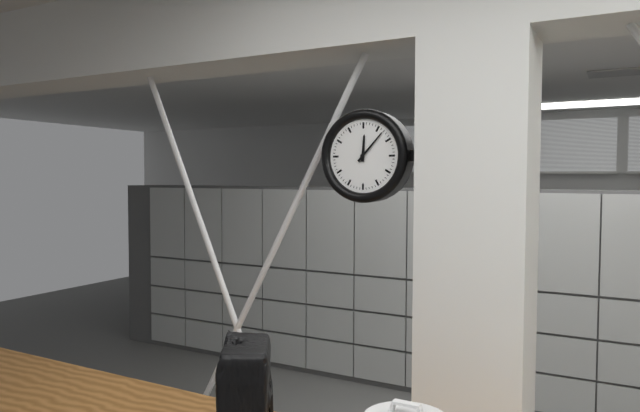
h=12 m=7
